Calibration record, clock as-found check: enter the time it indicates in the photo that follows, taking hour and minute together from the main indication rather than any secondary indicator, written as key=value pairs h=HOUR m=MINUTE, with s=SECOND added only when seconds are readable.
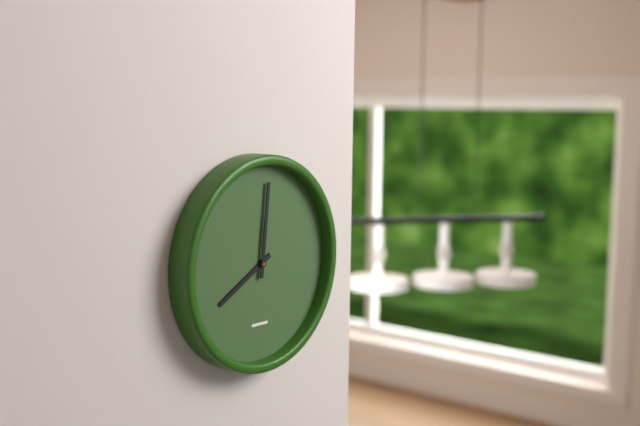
h=8 m=1
